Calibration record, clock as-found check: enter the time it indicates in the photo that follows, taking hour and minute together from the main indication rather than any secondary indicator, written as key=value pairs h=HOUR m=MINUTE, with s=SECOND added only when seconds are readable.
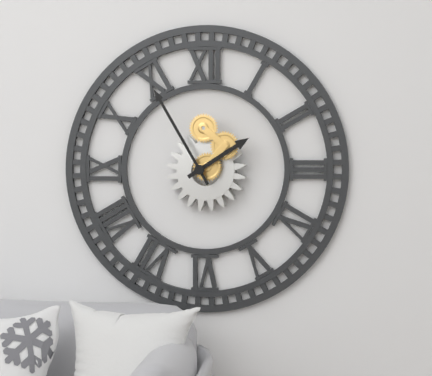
h=1 m=55
